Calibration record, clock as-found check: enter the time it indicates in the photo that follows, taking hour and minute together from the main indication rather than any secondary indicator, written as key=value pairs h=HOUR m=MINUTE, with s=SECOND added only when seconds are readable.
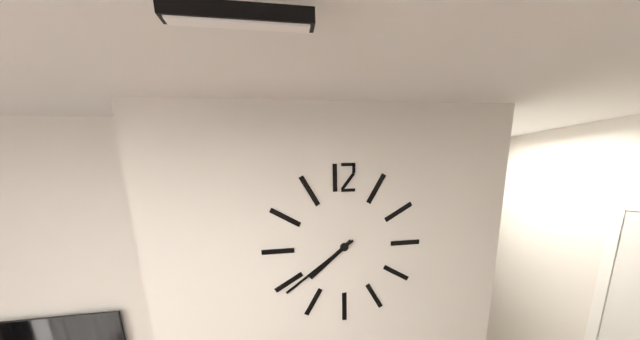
h=7 m=39
